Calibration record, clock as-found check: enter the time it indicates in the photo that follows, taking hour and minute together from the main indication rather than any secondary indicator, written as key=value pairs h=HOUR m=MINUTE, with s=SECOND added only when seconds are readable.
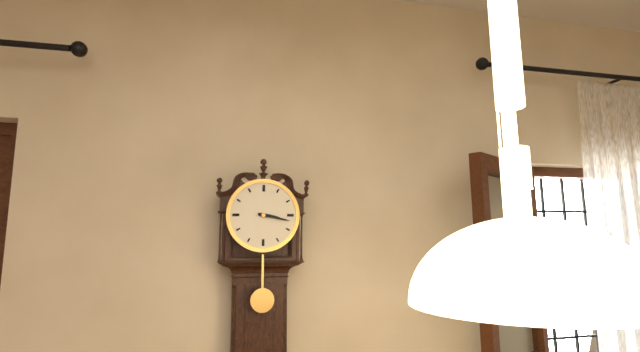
h=3 m=17
